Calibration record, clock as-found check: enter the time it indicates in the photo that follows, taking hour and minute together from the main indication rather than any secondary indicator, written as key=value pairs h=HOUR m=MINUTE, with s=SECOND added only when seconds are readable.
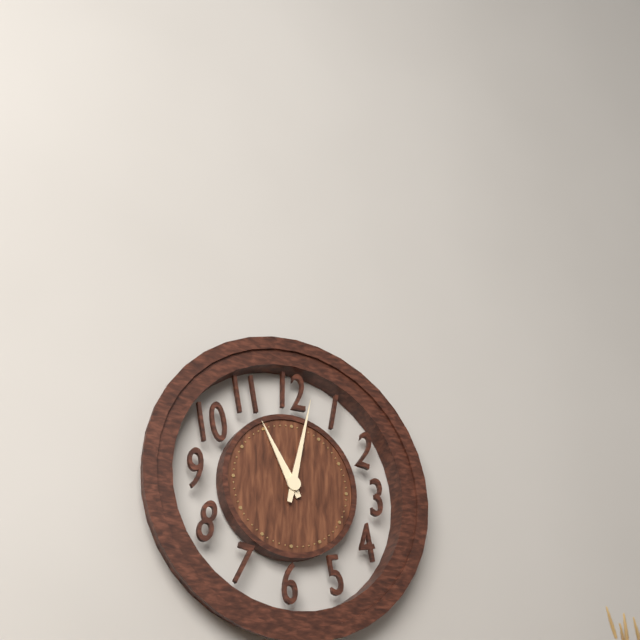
h=11 m=2
